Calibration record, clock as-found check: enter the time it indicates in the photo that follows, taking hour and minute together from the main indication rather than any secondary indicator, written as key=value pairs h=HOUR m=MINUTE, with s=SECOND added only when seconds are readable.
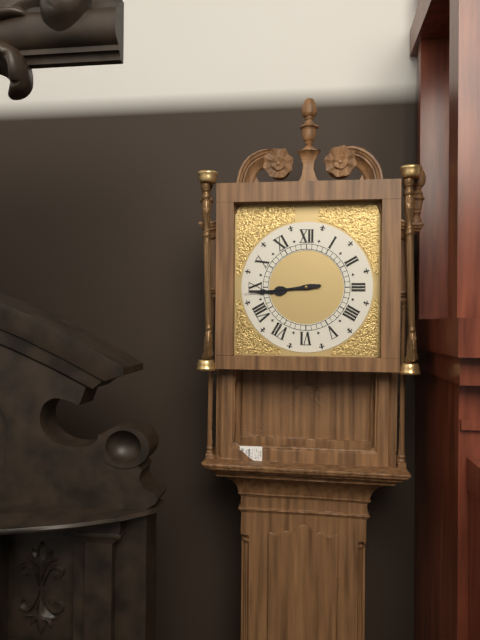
h=8 m=44
